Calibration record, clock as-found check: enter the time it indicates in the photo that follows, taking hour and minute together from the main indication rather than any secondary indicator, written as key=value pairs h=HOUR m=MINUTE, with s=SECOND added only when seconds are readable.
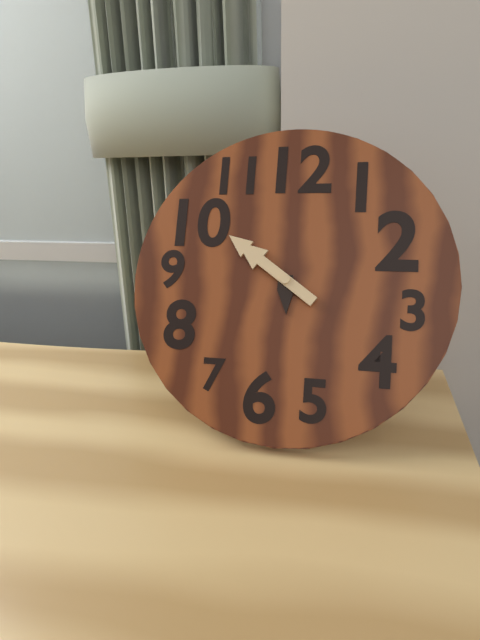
h=5 m=51
